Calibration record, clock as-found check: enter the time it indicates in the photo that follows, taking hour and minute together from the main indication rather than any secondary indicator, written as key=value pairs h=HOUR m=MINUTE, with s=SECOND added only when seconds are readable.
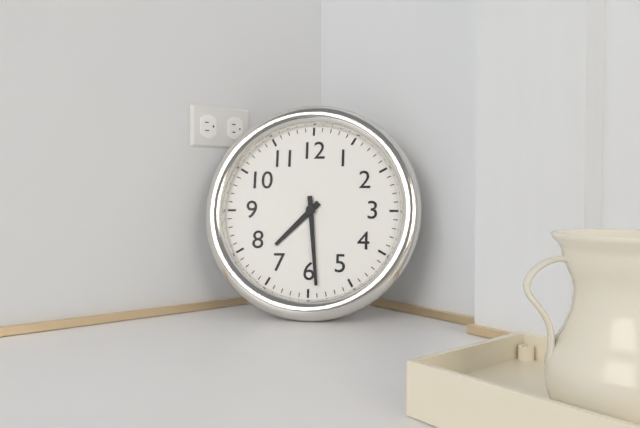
h=7 m=29
